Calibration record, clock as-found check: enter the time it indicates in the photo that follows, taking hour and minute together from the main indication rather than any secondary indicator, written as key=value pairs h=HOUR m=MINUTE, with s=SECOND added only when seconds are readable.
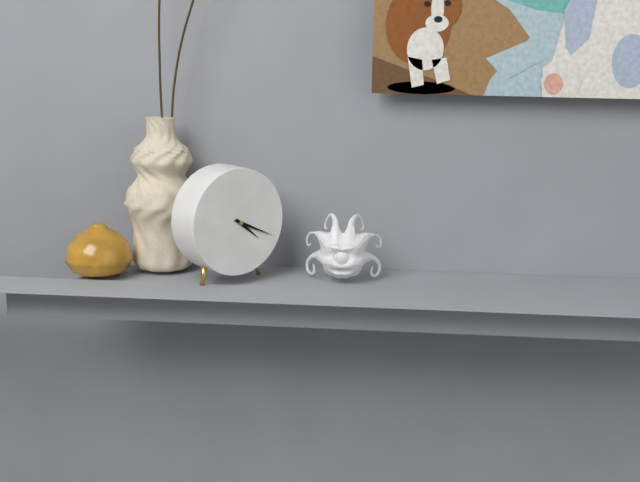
h=4 m=19
